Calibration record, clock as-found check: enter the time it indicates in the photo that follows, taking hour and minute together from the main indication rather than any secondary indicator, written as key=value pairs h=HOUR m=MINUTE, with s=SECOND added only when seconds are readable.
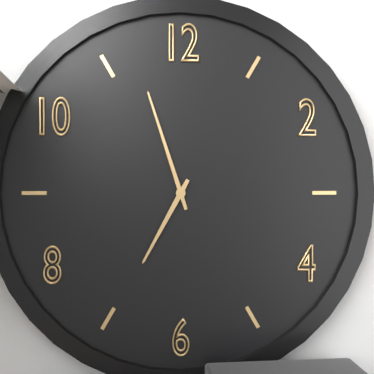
h=6 m=57
